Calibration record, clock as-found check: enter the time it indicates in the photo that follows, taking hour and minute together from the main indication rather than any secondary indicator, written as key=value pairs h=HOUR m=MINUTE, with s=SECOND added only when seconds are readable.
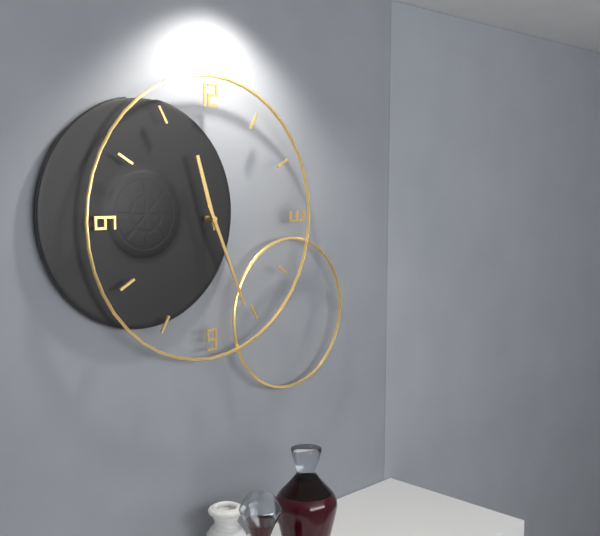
h=11 m=26
